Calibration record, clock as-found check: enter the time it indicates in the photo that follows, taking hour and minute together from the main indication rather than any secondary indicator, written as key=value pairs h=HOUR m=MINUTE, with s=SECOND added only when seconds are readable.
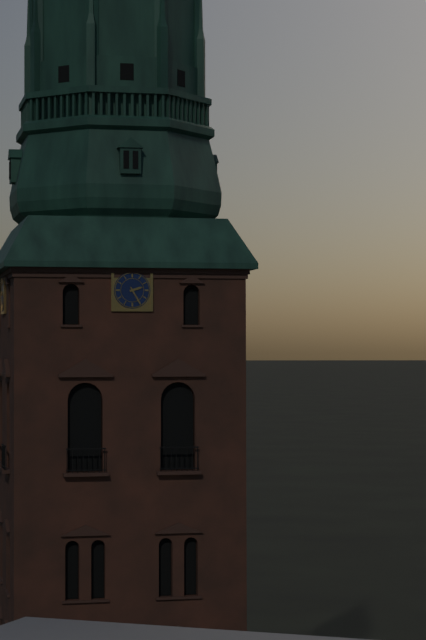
h=2 m=25
